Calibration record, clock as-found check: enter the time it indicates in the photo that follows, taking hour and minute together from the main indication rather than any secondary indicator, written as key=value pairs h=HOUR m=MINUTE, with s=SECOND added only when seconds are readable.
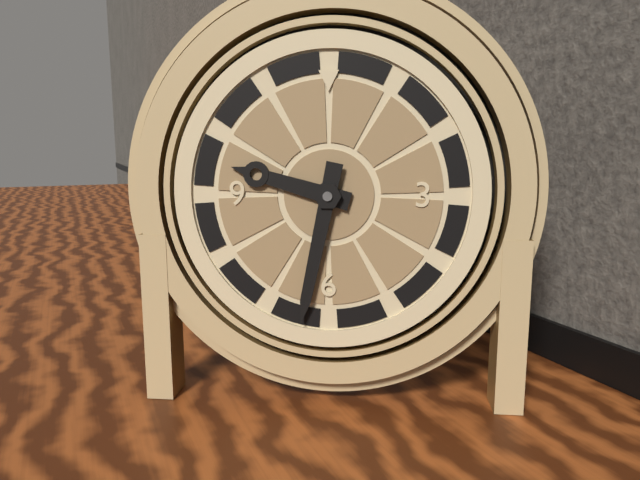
h=9 m=32
